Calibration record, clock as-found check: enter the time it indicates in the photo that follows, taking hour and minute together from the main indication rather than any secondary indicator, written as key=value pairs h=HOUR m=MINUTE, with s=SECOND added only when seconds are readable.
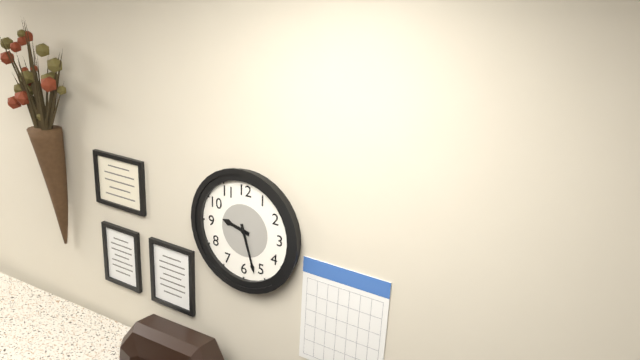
h=9 m=27
